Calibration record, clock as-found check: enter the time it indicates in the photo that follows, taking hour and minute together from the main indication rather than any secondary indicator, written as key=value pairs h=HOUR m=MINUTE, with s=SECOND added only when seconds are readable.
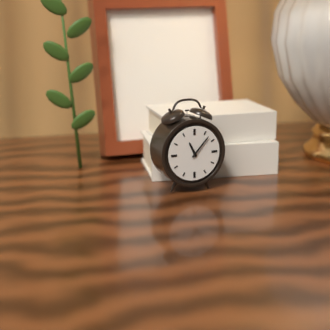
h=11 m=7
